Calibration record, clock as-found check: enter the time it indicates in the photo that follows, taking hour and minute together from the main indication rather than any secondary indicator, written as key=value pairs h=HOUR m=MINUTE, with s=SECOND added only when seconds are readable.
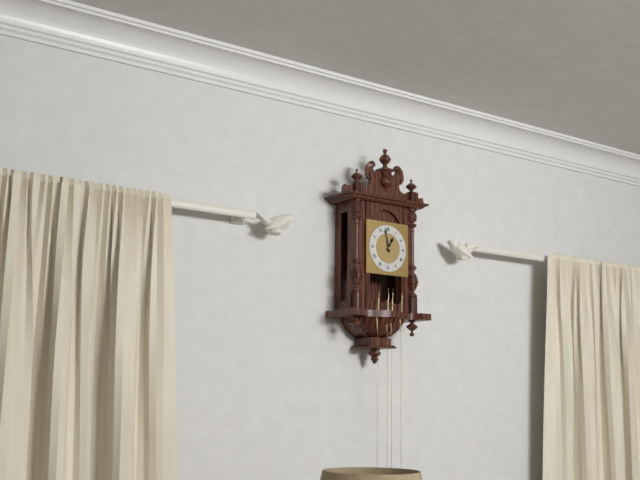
h=12 m=58
